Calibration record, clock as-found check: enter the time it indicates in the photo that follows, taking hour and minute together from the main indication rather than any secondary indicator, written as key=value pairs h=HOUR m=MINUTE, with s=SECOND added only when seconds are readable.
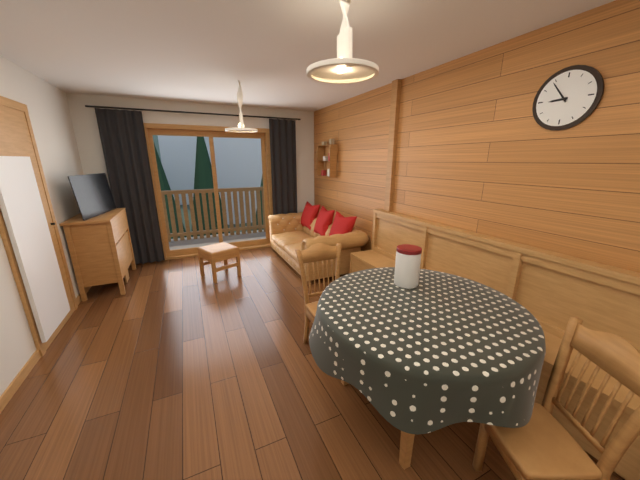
h=8 m=54
